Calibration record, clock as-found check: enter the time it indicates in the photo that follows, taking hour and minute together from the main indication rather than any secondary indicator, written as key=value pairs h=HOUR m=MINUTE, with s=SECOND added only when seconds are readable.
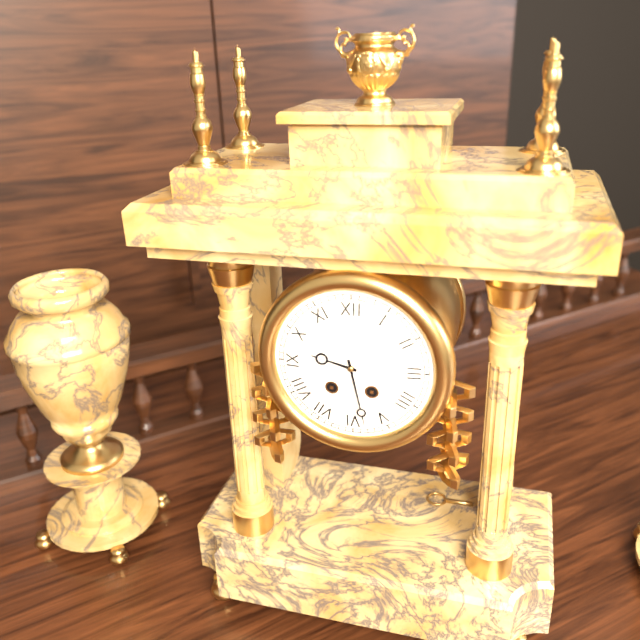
h=9 m=28
